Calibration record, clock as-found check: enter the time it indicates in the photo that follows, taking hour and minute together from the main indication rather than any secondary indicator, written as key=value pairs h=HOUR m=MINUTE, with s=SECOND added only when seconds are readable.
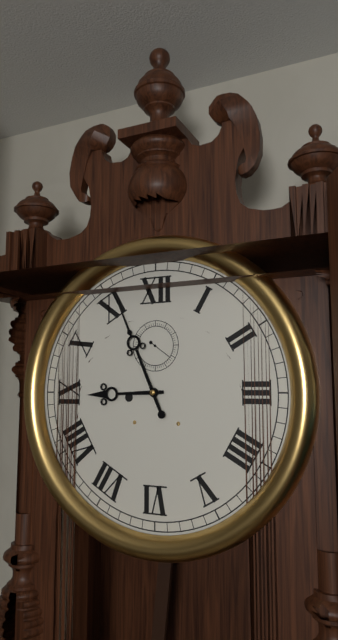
h=8 m=56
